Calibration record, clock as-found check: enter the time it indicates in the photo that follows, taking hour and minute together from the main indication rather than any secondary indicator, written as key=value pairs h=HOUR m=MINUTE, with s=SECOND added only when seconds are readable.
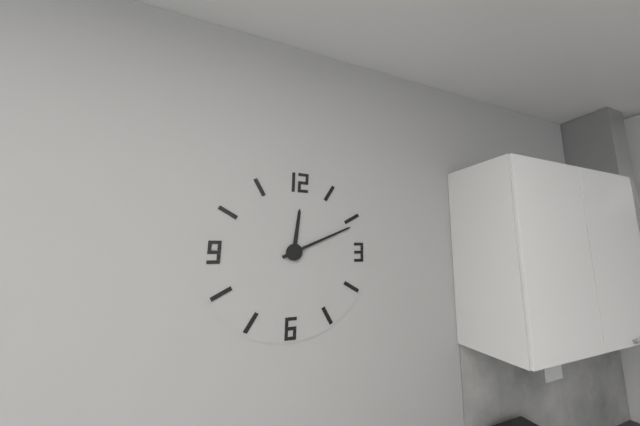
h=12 m=11
